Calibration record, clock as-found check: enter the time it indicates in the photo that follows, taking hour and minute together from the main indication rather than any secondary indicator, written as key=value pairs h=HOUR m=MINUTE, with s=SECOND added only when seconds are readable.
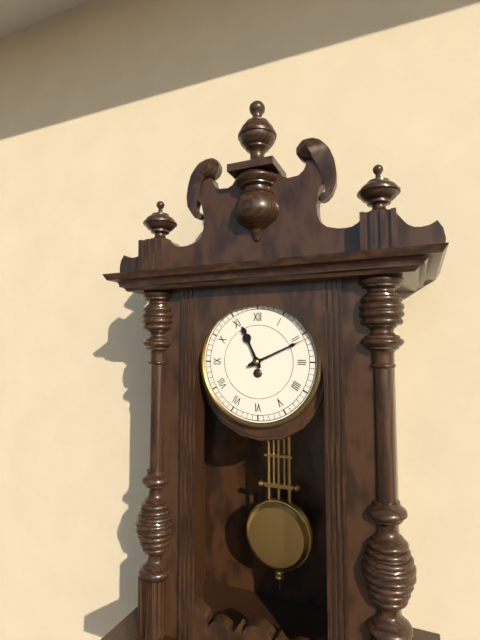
h=11 m=11
